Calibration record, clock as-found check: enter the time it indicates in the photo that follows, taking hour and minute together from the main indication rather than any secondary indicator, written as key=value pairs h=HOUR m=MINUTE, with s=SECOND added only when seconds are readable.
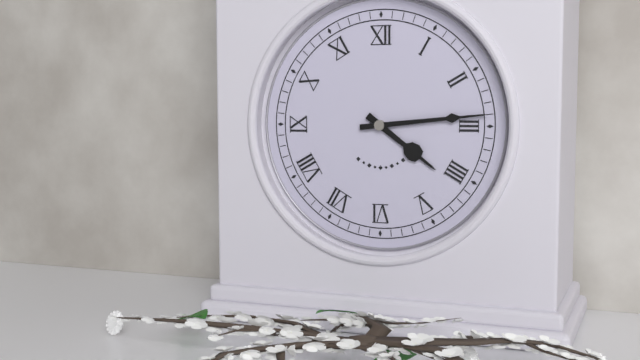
h=4 m=14
